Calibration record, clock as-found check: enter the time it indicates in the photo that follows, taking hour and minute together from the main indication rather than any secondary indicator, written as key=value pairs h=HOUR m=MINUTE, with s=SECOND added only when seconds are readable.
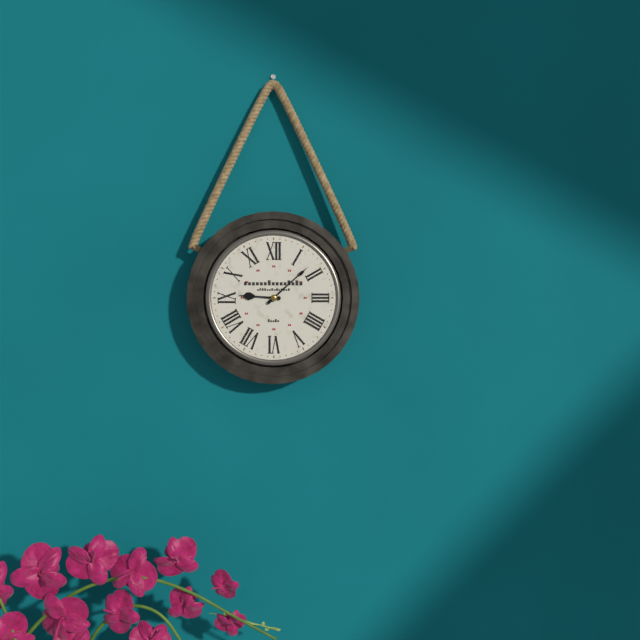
h=9 m=8
